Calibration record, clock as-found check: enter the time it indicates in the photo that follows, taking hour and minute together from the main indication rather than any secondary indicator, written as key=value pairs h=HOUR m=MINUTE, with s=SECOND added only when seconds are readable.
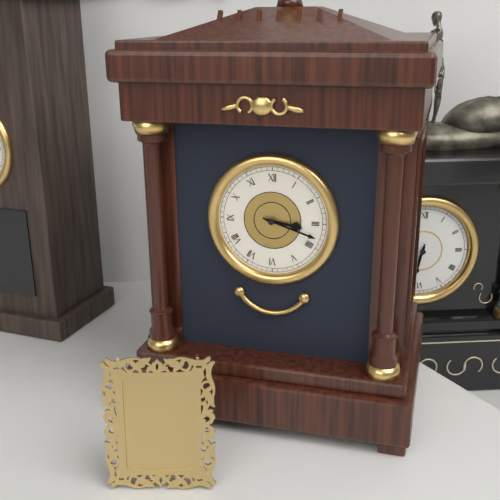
h=3 m=18
